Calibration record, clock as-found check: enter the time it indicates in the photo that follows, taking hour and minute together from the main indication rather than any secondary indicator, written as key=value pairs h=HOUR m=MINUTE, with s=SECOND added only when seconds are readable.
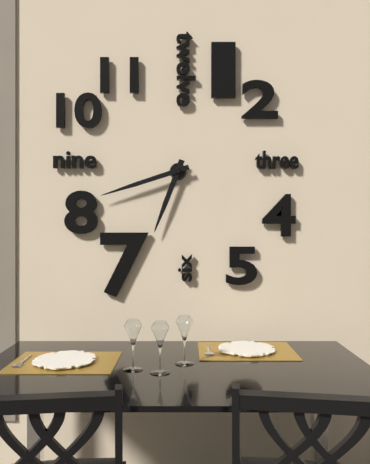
h=6 m=42
